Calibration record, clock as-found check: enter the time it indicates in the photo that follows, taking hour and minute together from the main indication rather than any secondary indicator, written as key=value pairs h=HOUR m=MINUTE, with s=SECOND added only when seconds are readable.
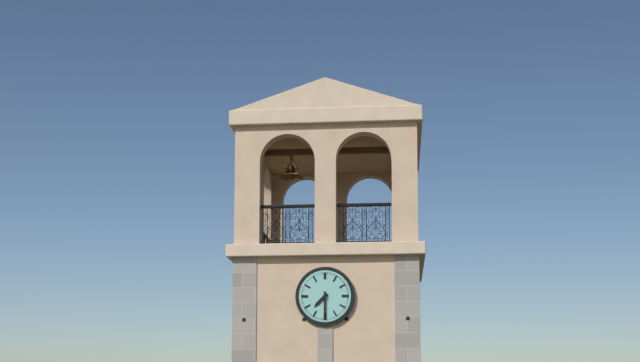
h=7 m=30
